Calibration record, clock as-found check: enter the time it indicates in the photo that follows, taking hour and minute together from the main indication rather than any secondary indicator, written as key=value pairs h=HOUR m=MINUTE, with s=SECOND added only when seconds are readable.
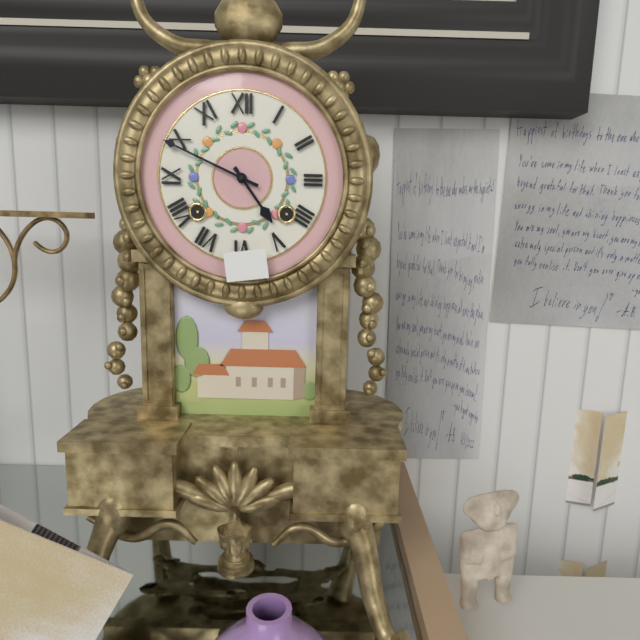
h=4 m=49
